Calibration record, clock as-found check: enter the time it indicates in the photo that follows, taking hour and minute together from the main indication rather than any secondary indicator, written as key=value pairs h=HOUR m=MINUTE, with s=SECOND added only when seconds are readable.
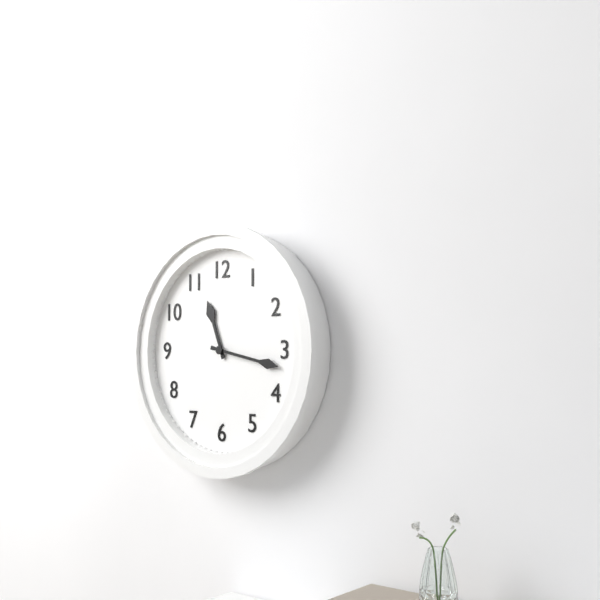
h=11 m=17
